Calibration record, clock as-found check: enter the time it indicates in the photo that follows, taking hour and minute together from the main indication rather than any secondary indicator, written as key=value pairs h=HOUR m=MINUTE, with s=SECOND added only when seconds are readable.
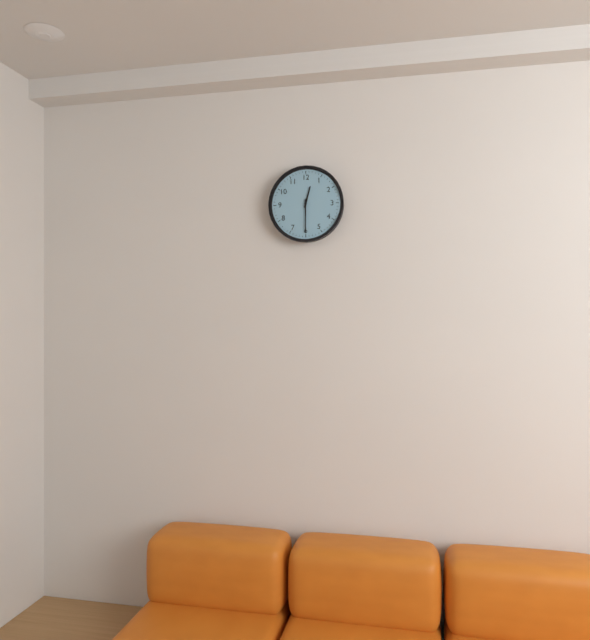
h=12 m=30
